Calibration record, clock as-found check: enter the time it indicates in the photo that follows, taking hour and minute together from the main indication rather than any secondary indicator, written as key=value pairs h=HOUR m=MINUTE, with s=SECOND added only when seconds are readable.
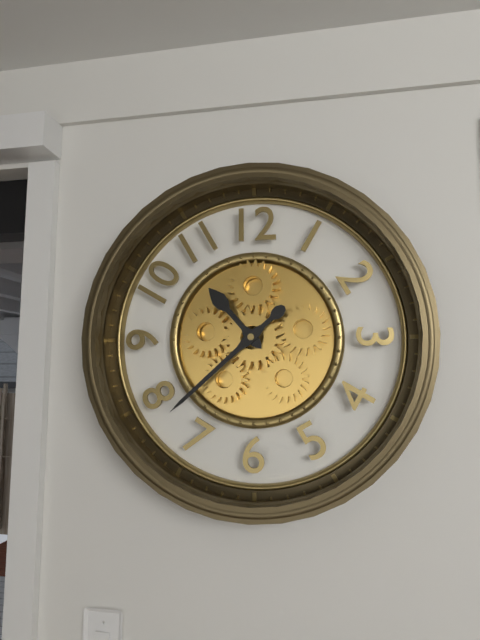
h=10 m=38
